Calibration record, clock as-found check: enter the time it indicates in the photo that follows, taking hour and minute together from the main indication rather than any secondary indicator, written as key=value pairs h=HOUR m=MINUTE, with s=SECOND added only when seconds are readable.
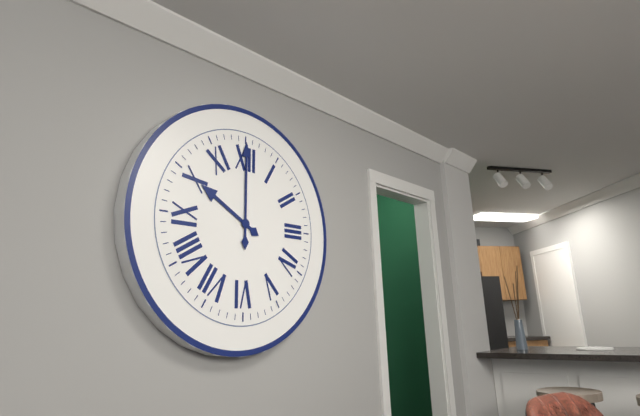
h=10 m=0
